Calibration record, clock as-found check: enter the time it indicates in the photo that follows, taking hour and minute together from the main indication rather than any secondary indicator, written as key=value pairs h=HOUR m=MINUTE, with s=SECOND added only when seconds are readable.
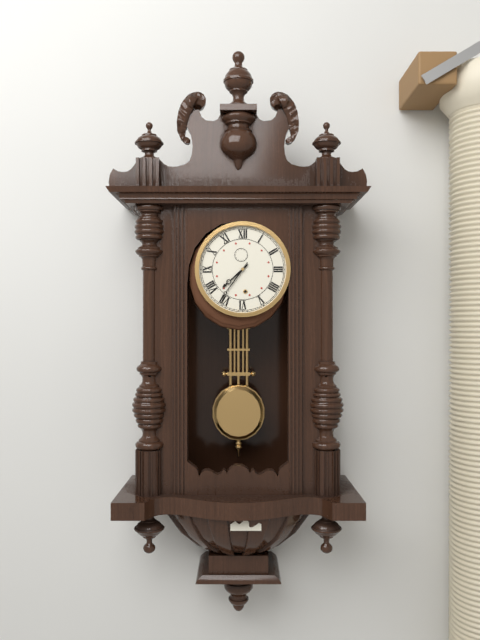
h=7 m=36
